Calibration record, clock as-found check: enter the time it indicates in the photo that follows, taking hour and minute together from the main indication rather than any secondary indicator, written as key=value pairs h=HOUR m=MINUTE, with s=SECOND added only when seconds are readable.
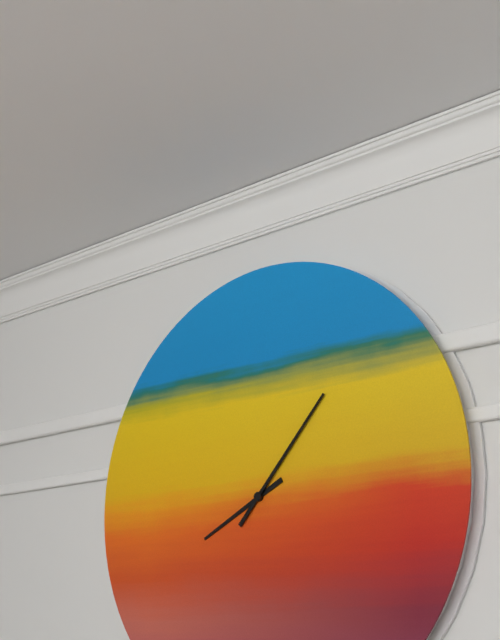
h=8 m=7
